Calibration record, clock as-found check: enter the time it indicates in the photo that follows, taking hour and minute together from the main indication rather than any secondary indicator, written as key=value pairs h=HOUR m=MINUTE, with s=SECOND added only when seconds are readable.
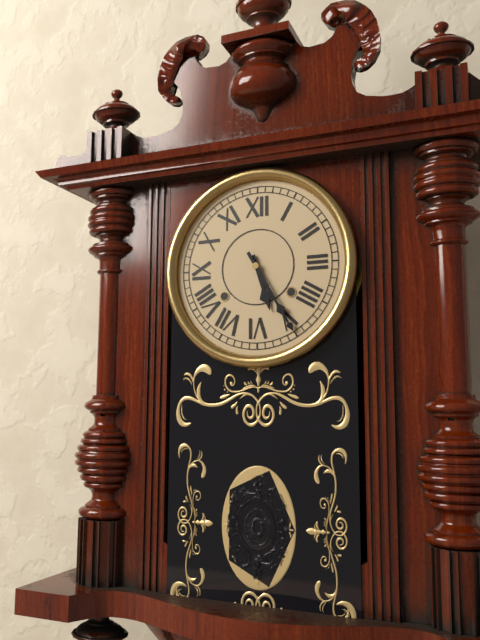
h=5 m=25
